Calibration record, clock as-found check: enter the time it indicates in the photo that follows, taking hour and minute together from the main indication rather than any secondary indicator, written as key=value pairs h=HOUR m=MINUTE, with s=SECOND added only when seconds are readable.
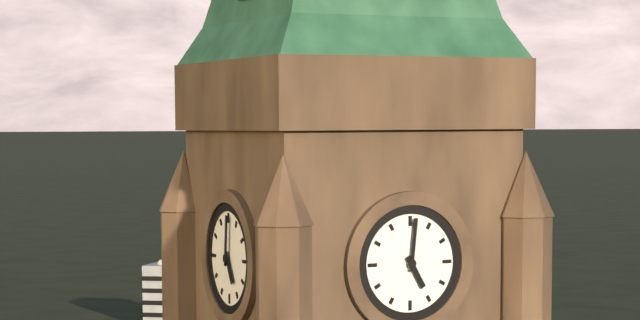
h=5 m=1
